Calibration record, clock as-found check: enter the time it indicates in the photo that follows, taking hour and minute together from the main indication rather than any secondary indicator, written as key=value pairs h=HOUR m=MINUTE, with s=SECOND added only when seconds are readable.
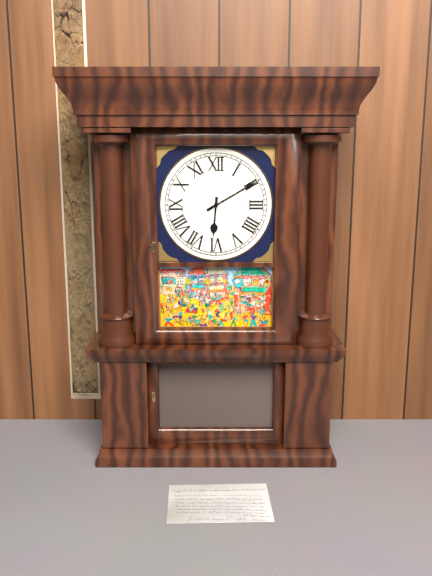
h=6 m=10
